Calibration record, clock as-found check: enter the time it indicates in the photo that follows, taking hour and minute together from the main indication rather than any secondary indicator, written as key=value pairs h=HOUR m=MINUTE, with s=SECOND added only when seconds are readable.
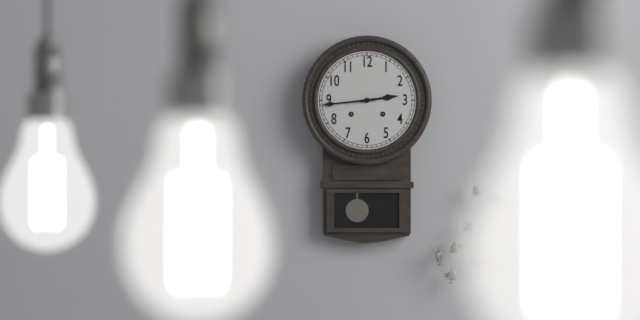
h=2 m=44
